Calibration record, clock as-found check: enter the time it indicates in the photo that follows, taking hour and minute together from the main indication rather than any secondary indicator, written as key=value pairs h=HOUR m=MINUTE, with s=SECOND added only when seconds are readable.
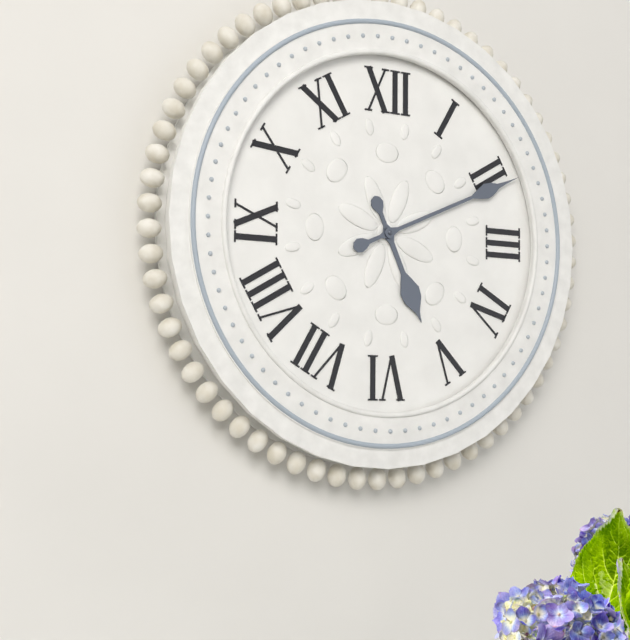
h=5 m=11
